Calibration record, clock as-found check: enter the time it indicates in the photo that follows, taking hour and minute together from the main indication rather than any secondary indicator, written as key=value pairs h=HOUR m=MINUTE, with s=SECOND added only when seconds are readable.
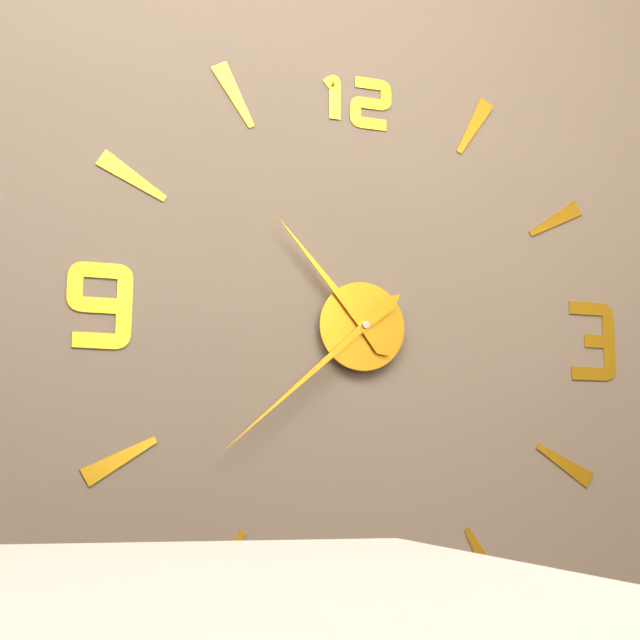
h=10 m=38
